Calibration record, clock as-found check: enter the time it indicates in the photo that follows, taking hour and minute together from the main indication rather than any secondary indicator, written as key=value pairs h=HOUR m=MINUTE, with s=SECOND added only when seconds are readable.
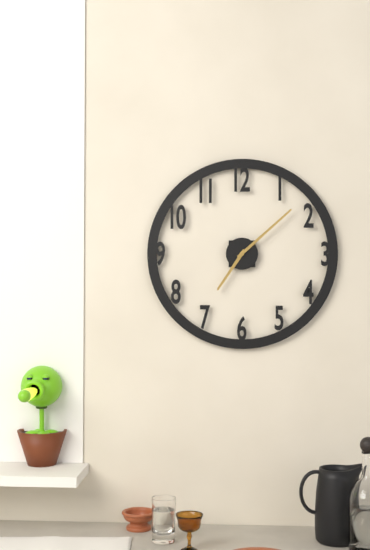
h=7 m=8
